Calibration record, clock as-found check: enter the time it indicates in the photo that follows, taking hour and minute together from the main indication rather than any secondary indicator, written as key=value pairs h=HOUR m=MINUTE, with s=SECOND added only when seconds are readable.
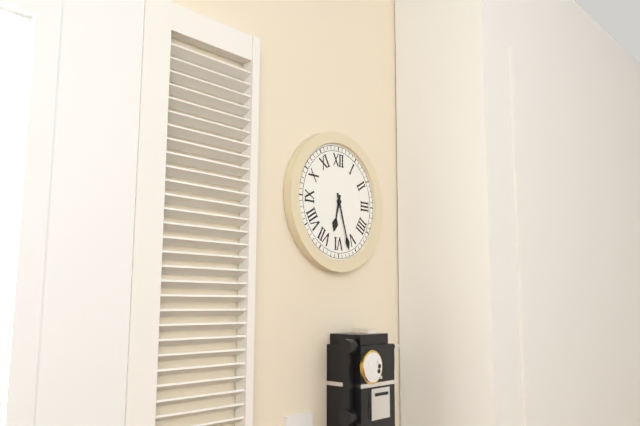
h=6 m=27
